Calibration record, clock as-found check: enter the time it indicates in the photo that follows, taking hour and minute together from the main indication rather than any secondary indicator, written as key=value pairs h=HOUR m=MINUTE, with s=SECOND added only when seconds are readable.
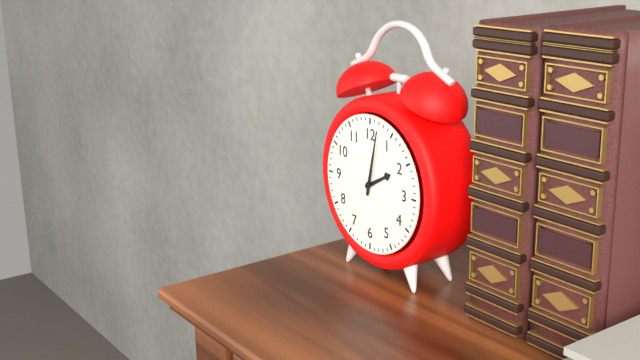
h=2 m=2
